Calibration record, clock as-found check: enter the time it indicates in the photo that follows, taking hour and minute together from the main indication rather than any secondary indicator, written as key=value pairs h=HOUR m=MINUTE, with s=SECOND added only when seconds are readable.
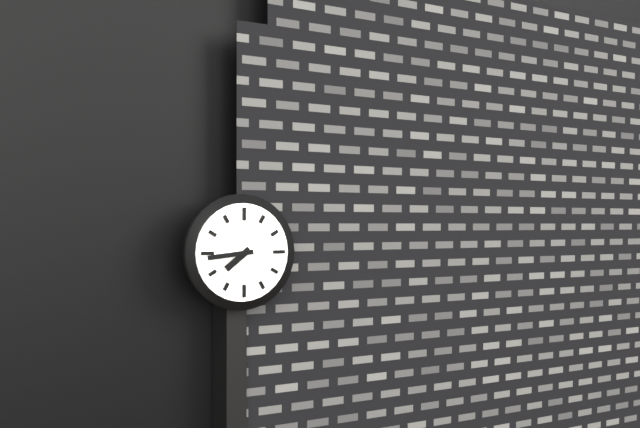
h=7 m=44
